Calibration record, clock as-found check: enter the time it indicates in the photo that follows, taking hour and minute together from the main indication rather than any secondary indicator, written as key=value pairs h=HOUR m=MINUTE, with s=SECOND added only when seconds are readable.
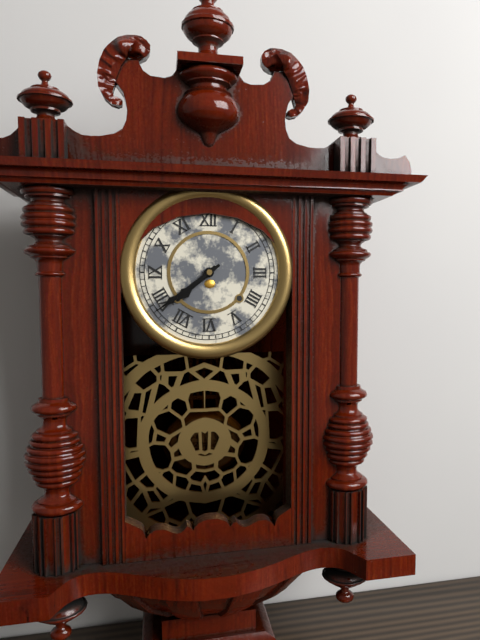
h=7 m=39
